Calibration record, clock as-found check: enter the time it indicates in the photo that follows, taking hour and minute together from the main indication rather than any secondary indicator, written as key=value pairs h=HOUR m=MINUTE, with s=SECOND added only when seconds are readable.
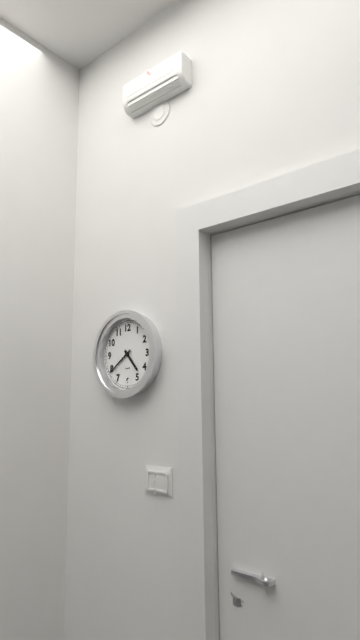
h=4 m=39
